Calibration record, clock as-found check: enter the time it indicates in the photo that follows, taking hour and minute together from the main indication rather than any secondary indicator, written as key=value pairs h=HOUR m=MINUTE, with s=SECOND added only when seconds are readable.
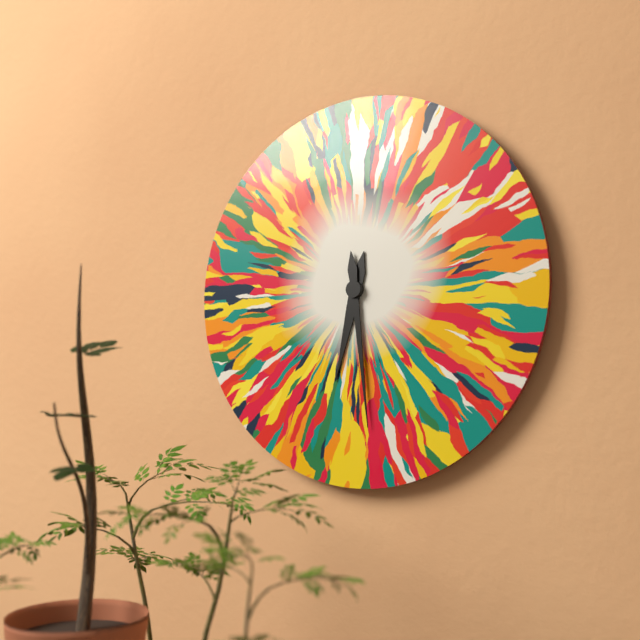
h=6 m=29
